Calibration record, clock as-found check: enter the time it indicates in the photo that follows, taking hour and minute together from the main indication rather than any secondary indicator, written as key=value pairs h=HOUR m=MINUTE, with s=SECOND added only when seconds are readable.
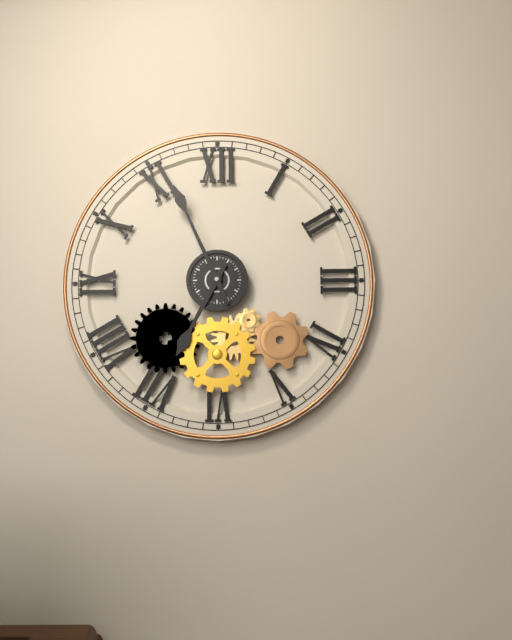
h=6 m=56
